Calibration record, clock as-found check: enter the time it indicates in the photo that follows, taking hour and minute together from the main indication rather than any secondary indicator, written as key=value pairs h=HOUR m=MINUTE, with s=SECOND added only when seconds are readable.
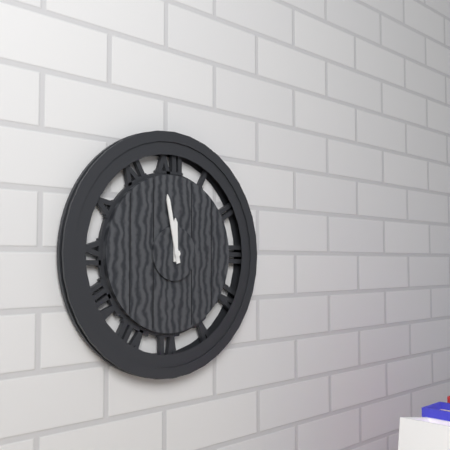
h=11 m=58
